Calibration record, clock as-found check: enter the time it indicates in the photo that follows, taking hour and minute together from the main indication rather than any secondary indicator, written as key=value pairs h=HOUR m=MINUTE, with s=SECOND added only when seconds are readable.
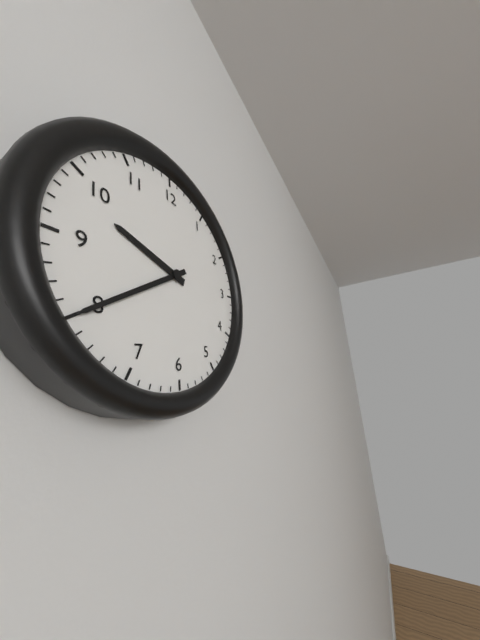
h=9 m=40
